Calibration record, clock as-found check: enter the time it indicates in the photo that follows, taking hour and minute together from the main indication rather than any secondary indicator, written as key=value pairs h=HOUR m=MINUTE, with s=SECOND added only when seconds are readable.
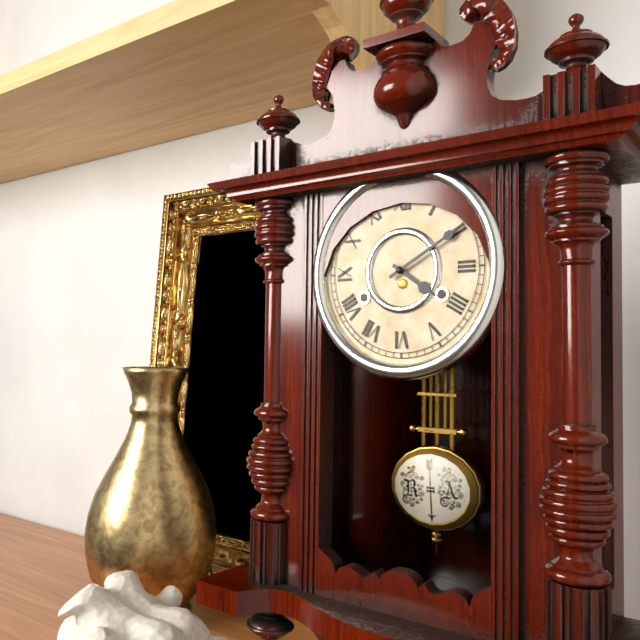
h=4 m=10
